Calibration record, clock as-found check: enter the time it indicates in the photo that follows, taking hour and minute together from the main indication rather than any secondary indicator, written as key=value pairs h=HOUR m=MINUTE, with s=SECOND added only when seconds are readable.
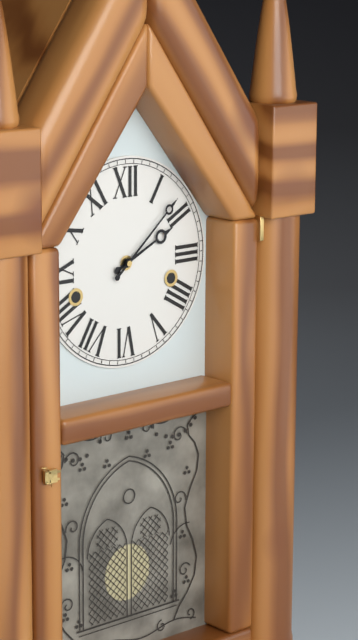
h=2 m=8
